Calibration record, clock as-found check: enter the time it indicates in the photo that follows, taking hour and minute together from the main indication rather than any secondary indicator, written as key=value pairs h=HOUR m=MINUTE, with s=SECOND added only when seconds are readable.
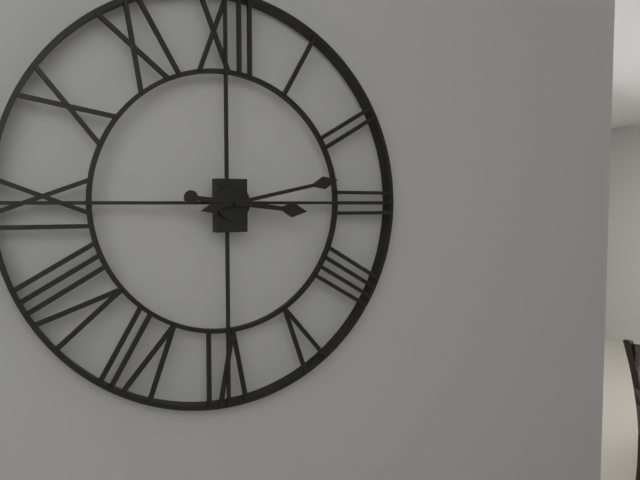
h=3 m=13
